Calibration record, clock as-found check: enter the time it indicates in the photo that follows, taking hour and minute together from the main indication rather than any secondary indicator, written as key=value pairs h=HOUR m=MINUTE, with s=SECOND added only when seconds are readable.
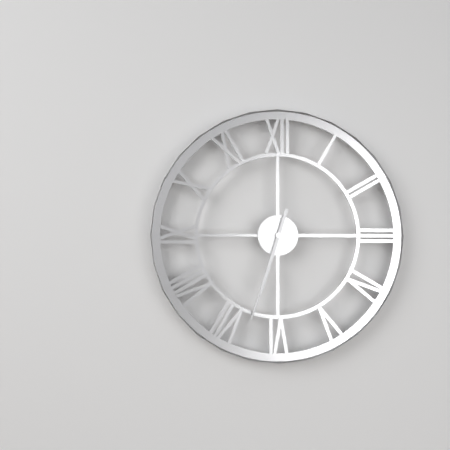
h=6 m=33
